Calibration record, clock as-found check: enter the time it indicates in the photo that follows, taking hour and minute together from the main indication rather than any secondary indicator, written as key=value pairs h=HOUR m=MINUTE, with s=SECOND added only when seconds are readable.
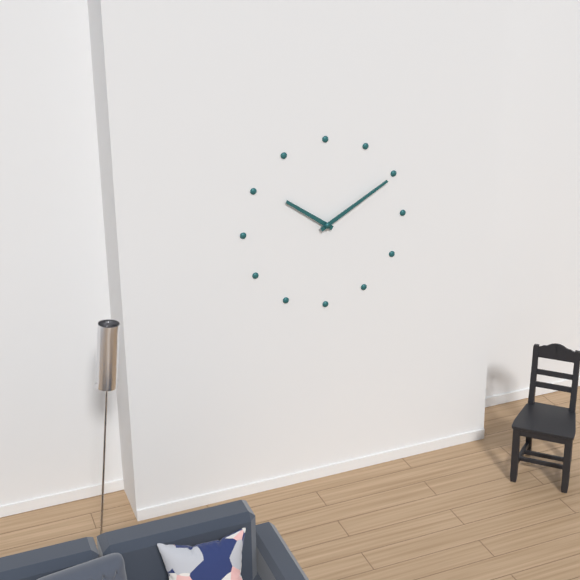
h=10 m=10
